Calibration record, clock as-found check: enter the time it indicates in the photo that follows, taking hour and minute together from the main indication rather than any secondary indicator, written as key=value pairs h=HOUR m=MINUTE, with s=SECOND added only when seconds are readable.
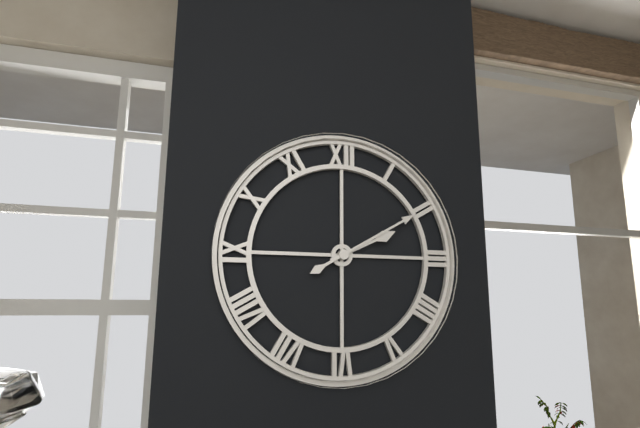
h=2 m=10
